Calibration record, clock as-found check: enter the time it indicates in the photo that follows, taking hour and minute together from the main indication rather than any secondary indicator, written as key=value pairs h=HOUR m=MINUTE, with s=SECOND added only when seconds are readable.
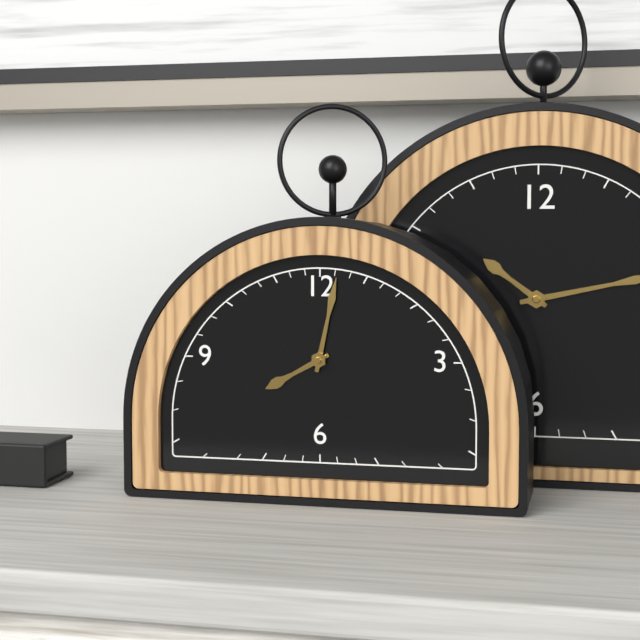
h=8 m=2
